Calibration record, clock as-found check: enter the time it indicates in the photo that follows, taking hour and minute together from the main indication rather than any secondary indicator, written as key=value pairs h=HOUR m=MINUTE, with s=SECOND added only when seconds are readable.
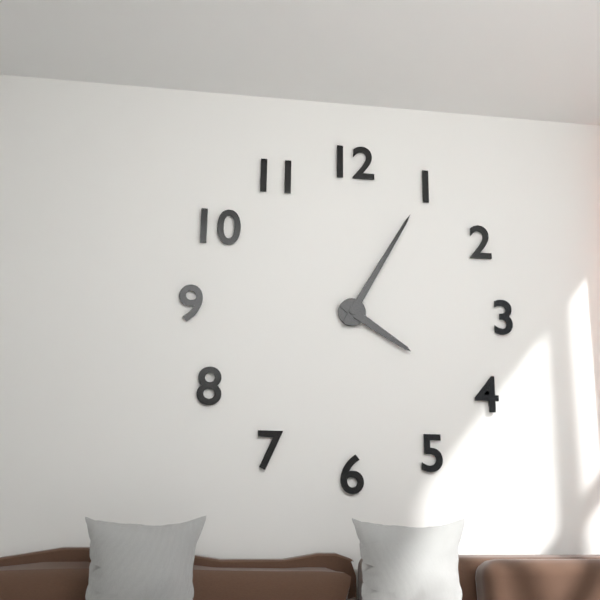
h=4 m=5
